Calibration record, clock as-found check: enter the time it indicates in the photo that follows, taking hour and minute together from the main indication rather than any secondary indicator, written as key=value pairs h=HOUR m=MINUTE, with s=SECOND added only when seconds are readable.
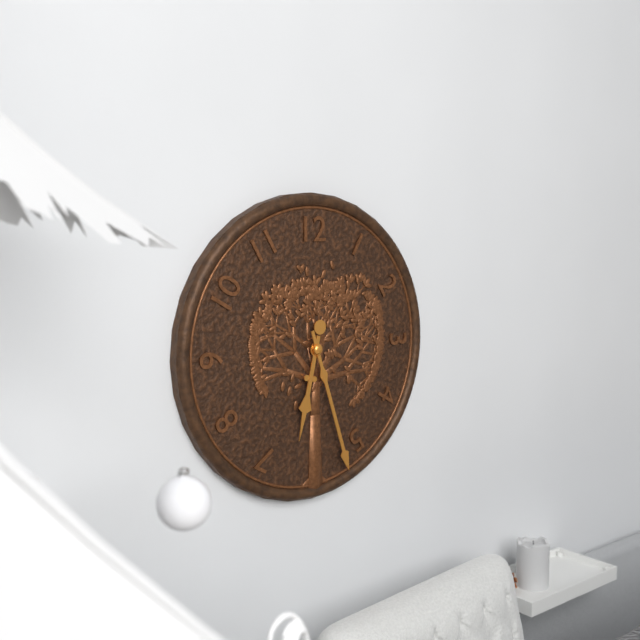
h=6 m=27
